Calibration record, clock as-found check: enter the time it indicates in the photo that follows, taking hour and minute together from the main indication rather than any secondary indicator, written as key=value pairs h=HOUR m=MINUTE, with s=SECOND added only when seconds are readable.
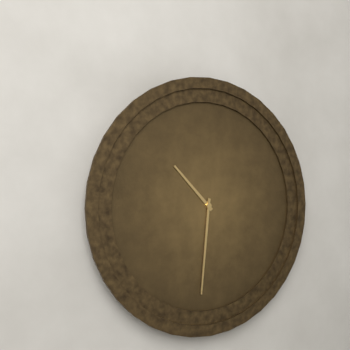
h=10 m=31
